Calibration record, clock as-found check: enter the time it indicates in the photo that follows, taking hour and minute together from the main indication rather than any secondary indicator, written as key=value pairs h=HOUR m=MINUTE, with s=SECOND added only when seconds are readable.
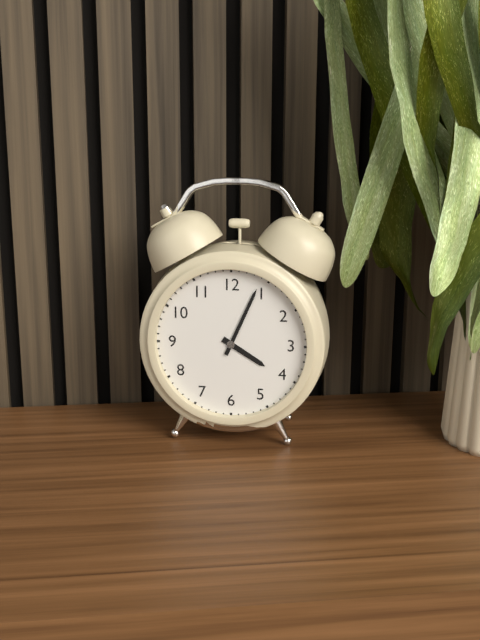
h=4 m=4
